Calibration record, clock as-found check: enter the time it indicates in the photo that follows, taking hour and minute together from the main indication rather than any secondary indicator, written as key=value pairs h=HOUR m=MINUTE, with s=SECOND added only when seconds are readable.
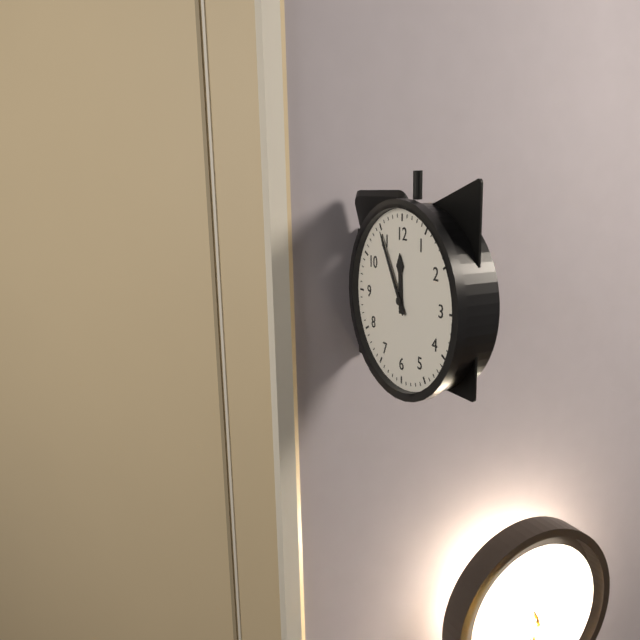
h=11 m=55
